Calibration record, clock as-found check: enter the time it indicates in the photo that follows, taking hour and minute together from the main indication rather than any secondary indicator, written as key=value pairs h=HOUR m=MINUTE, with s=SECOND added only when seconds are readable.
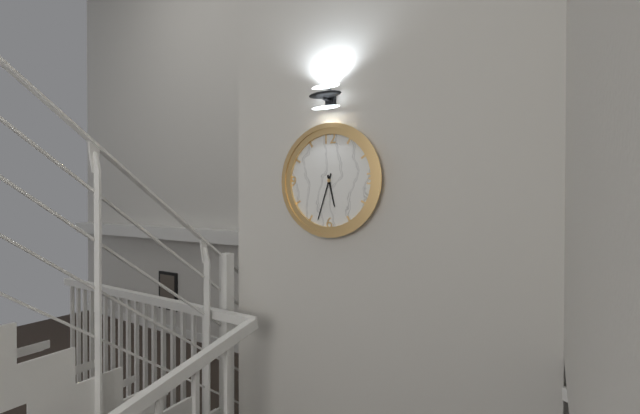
h=5 m=33
